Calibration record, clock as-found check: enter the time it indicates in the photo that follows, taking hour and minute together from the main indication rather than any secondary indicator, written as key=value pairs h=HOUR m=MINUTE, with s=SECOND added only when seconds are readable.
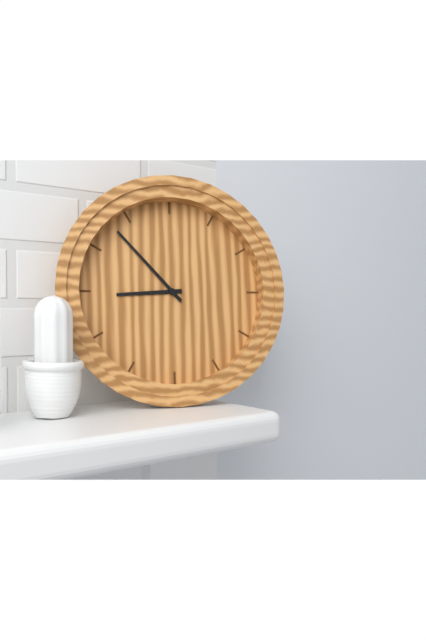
h=8 m=53
